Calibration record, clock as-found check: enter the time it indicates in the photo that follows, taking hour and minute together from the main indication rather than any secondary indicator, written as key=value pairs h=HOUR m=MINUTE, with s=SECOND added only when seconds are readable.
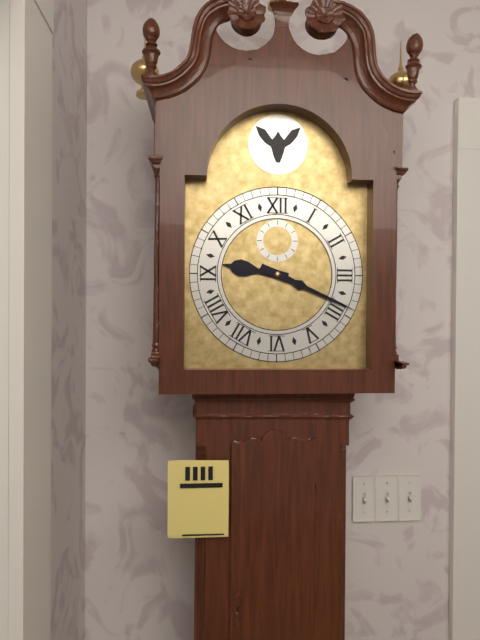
h=9 m=19
